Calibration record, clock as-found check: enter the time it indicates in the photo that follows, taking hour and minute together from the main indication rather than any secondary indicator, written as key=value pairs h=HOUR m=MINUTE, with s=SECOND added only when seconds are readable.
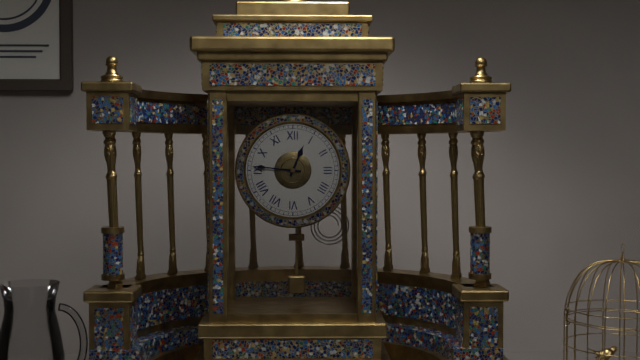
h=12 m=46
